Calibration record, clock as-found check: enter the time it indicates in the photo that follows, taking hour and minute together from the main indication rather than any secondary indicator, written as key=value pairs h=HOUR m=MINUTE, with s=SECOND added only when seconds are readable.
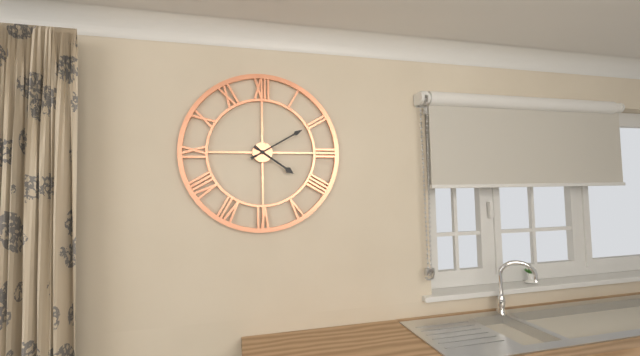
h=4 m=10
